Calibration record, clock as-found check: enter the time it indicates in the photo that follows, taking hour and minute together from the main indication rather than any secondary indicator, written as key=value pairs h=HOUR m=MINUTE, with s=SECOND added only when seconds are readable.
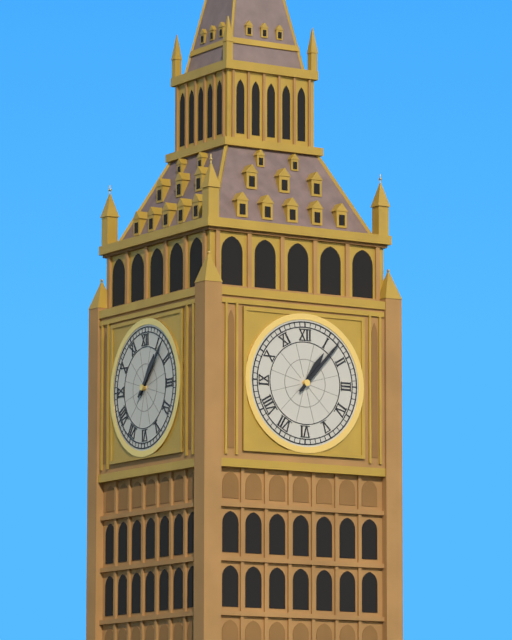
h=1 m=7
